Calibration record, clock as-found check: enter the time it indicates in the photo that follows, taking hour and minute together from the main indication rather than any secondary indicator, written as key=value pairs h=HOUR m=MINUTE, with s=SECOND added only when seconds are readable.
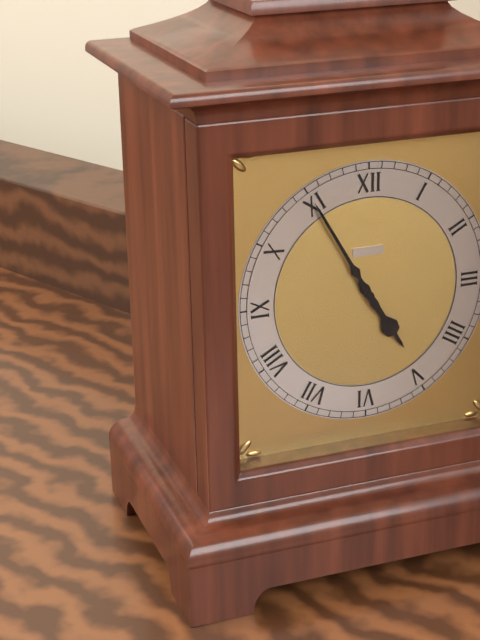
h=4 m=55
